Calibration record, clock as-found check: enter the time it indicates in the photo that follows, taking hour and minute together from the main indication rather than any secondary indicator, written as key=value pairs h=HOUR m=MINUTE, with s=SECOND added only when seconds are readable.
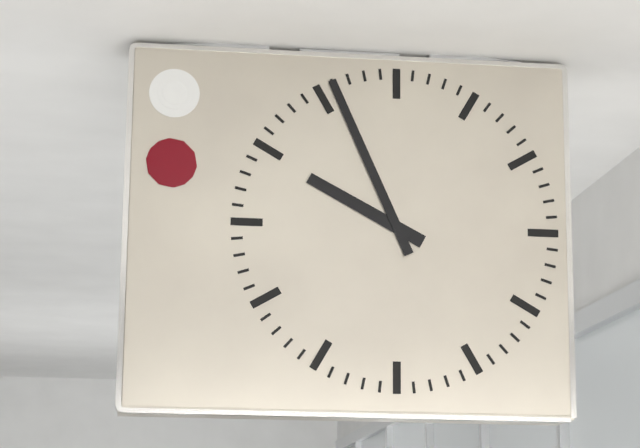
h=9 m=56
